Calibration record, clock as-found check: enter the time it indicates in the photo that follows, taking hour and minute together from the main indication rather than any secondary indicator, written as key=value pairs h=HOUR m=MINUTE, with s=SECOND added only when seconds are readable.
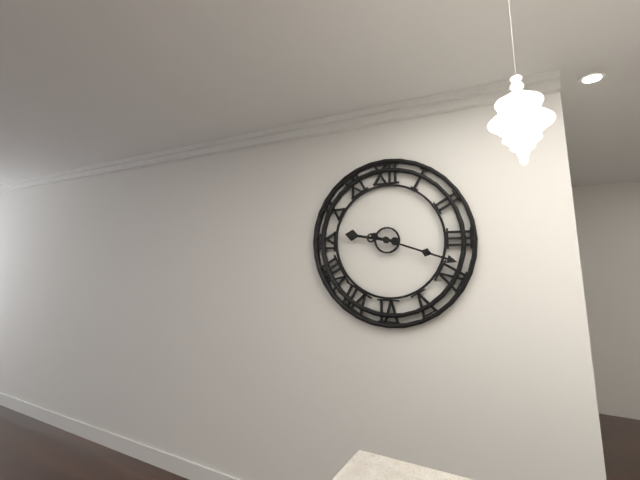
h=9 m=18
